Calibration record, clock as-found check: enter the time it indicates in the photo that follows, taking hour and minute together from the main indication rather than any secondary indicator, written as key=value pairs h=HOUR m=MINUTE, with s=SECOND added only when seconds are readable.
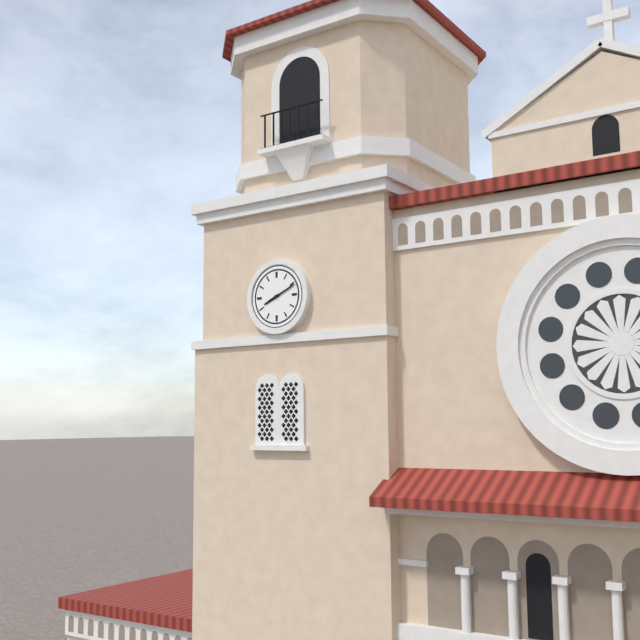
h=8 m=11
